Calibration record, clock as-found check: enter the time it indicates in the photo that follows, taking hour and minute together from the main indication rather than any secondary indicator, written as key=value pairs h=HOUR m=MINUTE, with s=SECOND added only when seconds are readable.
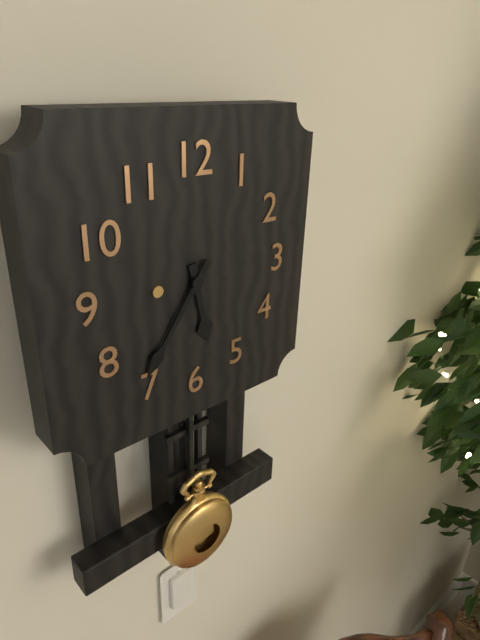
h=5 m=36
